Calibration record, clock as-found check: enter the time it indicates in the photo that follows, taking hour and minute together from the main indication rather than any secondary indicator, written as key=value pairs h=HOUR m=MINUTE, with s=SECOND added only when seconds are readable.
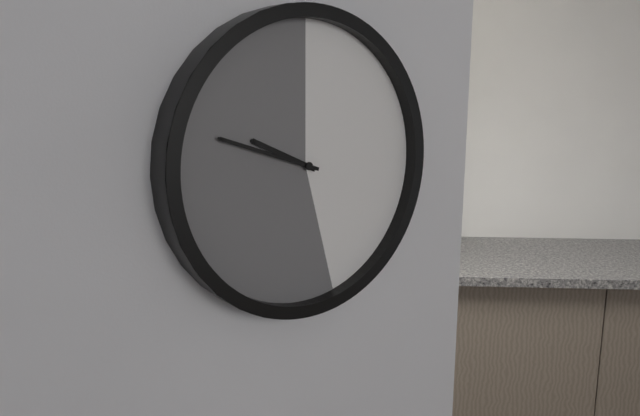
h=9 m=48
